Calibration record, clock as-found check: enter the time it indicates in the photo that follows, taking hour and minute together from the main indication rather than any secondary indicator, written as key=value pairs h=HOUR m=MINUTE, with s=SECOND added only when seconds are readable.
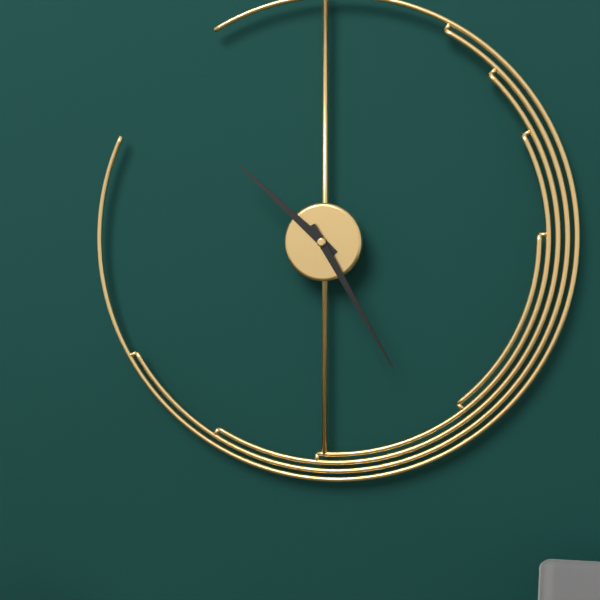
h=10 m=25
